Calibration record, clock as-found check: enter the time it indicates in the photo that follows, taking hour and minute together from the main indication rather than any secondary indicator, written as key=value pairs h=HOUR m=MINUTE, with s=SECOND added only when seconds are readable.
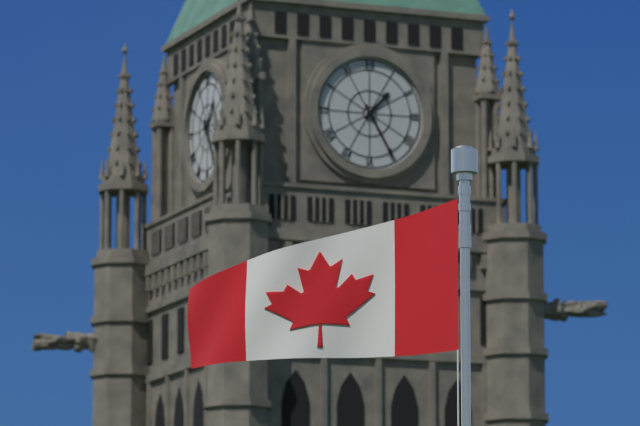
h=1 m=25
